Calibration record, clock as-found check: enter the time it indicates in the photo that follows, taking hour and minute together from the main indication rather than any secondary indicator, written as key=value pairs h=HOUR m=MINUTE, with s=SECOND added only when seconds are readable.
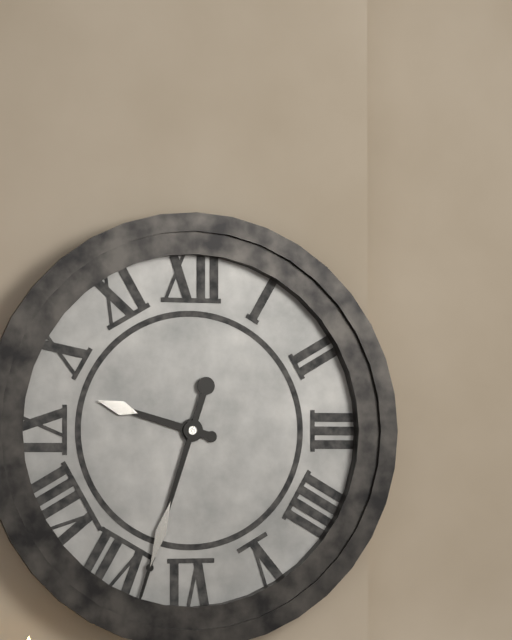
h=9 m=33
